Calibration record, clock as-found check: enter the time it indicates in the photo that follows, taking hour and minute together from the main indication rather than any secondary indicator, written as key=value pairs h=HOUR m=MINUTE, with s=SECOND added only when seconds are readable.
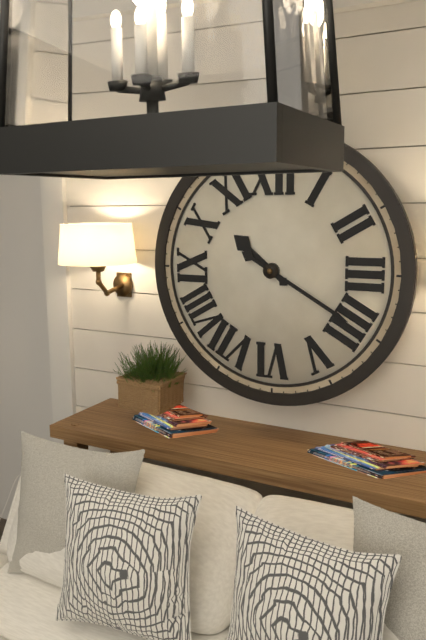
h=10 m=20
